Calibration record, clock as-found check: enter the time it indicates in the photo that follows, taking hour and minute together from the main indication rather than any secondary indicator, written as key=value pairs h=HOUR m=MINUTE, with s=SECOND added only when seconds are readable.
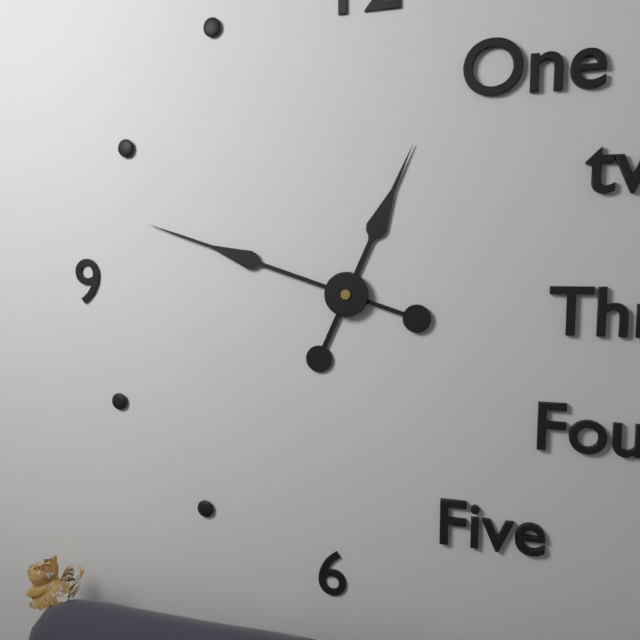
h=12 m=48
